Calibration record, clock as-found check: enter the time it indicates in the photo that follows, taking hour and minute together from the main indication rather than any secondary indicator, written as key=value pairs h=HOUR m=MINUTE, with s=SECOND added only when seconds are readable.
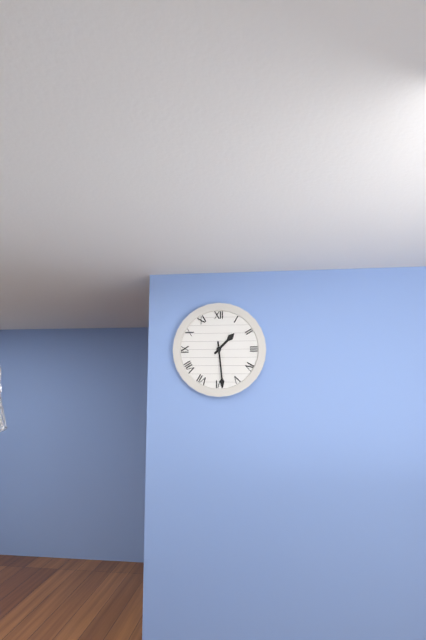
h=1 m=29
